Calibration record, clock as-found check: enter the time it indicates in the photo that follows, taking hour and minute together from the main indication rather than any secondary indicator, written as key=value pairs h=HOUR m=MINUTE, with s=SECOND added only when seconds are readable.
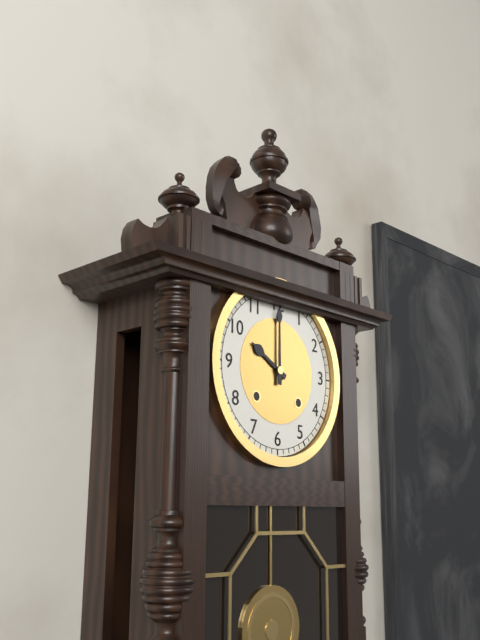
h=10 m=0
